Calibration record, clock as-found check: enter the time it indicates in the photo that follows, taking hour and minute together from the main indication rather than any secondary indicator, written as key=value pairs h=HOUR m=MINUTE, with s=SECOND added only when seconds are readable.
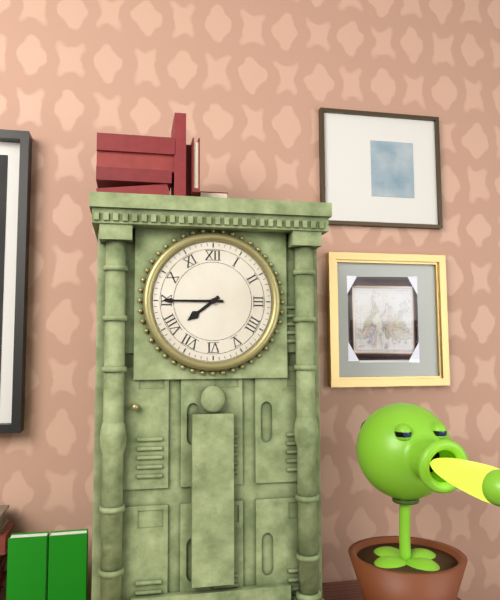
h=7 m=45
